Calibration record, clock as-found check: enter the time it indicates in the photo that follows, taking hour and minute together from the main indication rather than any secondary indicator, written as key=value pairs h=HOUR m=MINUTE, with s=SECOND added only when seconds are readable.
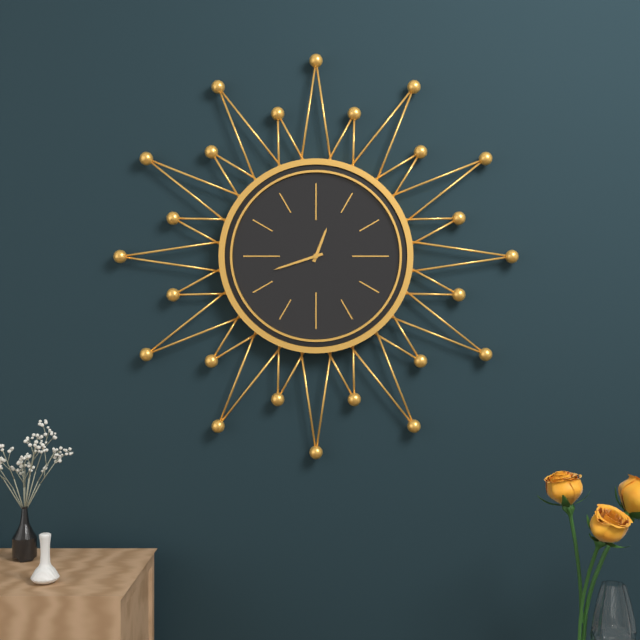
h=12 m=42
